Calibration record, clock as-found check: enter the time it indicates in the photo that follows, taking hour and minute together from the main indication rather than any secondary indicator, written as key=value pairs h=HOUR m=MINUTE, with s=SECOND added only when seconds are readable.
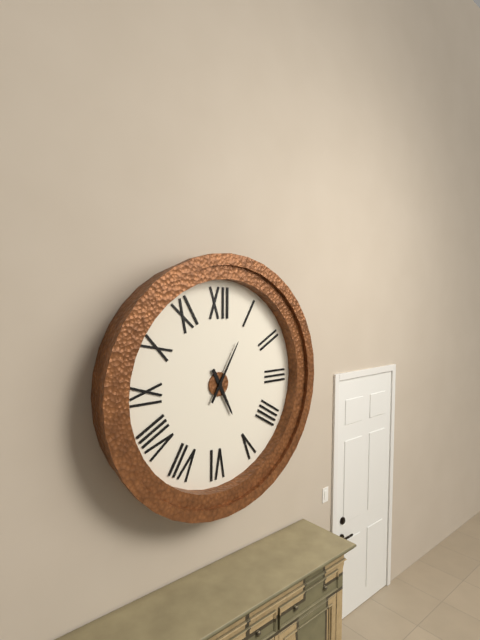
h=5 m=5
